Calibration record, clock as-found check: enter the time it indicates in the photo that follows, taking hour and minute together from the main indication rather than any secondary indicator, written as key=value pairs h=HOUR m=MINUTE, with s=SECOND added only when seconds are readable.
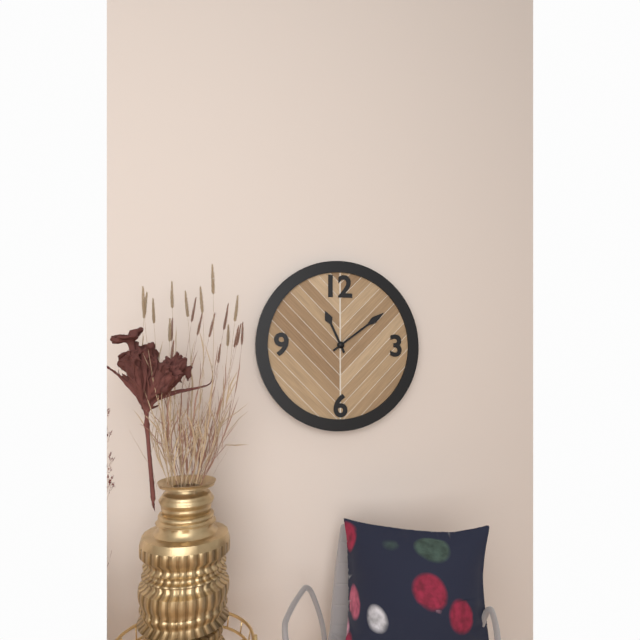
h=11 m=9
